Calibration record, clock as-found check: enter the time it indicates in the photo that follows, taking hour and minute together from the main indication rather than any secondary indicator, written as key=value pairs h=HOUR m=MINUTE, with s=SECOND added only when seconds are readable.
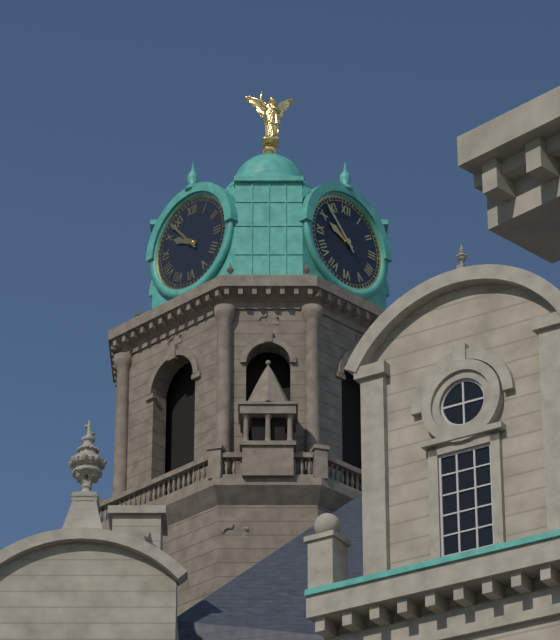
h=9 m=53
